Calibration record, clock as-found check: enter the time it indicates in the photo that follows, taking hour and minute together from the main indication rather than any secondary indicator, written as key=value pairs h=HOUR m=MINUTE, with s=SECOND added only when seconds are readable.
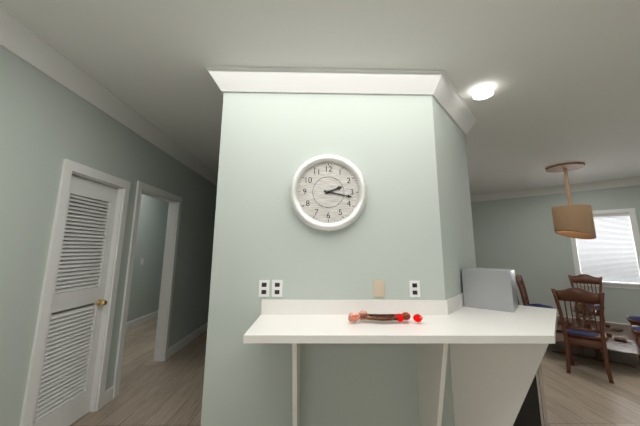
h=2 m=17
